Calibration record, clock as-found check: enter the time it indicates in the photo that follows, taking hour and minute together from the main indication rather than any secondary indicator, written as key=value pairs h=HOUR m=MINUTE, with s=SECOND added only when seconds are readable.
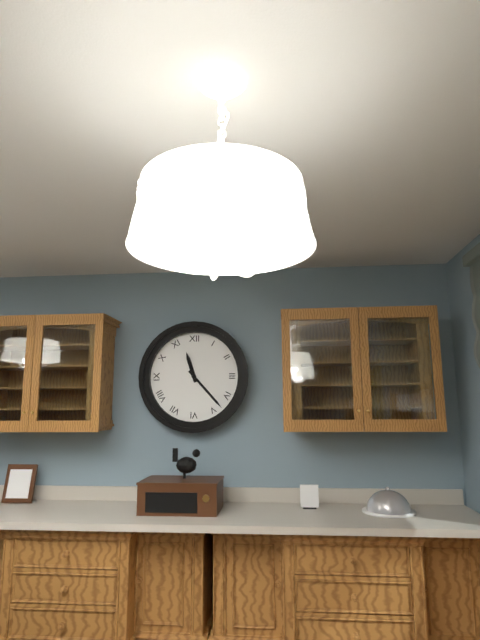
h=11 m=23
